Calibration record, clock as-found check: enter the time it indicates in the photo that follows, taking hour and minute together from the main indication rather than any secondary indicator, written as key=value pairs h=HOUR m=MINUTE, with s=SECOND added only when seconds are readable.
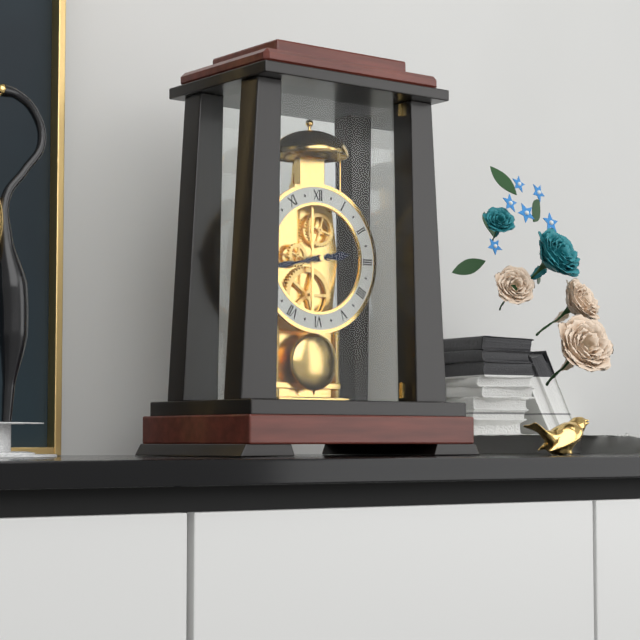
h=2 m=43
